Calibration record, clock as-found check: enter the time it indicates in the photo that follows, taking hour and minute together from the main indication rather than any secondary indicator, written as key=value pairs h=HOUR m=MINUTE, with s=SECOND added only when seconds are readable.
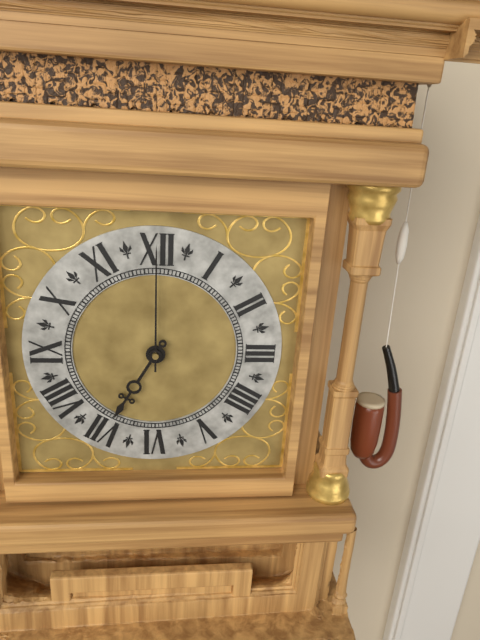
h=7 m=0
